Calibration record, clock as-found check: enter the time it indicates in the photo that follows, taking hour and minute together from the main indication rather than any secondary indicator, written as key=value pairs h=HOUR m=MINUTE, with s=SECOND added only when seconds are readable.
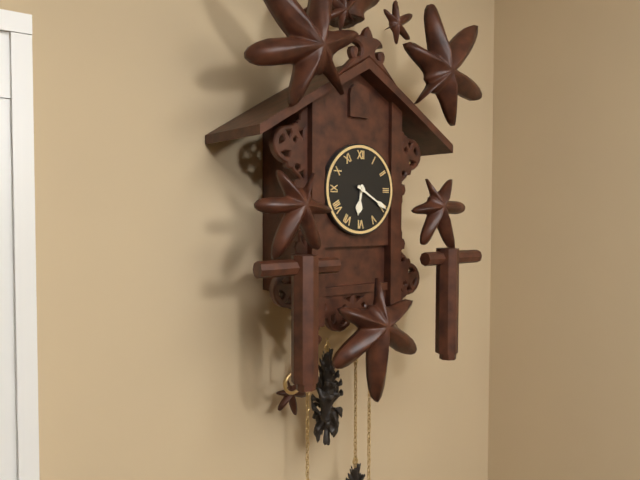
h=6 m=20
